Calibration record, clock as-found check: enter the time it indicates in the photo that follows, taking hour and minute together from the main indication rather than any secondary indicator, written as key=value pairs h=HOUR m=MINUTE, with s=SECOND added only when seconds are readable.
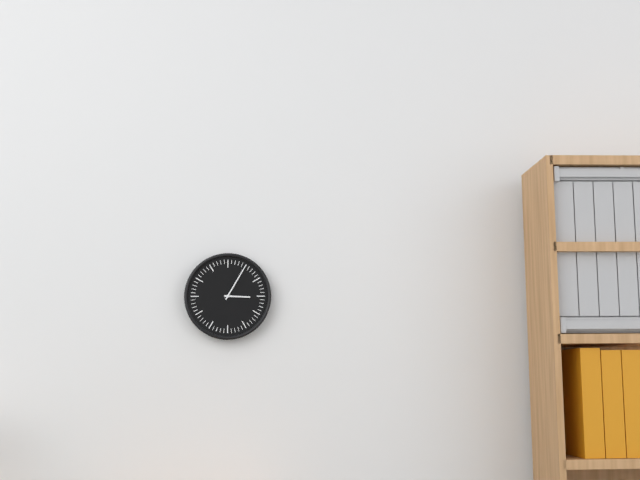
h=3 m=5
